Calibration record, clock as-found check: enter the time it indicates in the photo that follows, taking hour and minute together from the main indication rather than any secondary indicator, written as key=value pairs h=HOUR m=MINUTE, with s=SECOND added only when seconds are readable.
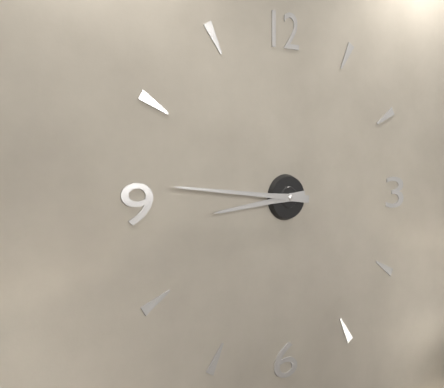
h=8 m=46
